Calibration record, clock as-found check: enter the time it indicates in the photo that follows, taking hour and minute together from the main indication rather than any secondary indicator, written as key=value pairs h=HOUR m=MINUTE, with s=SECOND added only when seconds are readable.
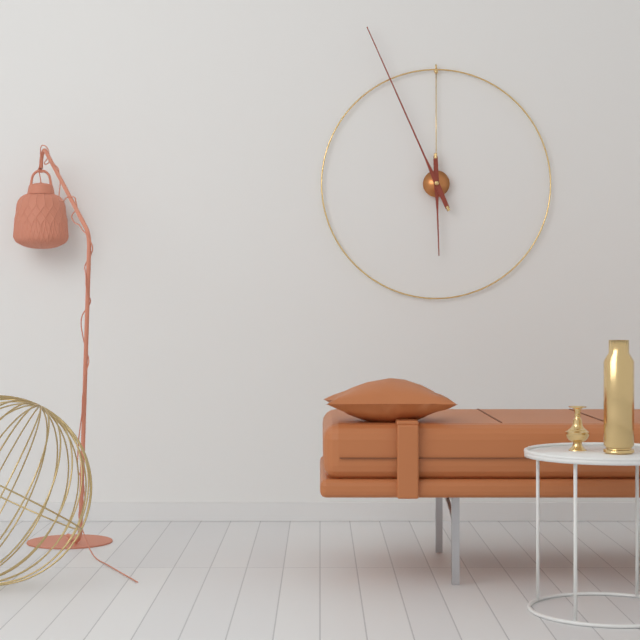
h=5 m=56
